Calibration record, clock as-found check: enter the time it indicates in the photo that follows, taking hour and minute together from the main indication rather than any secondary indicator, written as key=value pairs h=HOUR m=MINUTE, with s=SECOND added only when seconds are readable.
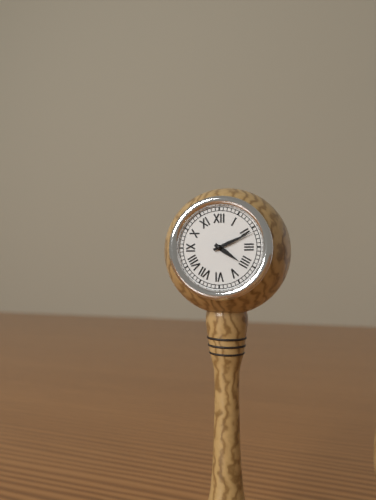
h=4 m=11
